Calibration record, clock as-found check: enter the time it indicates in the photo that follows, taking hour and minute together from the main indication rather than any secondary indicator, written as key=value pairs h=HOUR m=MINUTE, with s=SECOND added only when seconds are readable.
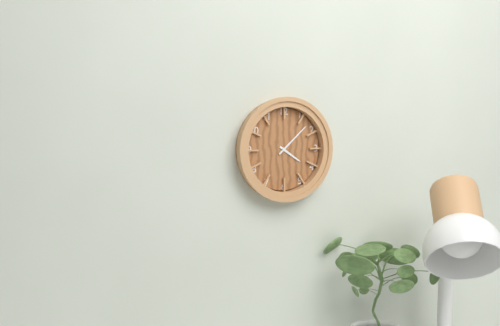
h=4 m=8
